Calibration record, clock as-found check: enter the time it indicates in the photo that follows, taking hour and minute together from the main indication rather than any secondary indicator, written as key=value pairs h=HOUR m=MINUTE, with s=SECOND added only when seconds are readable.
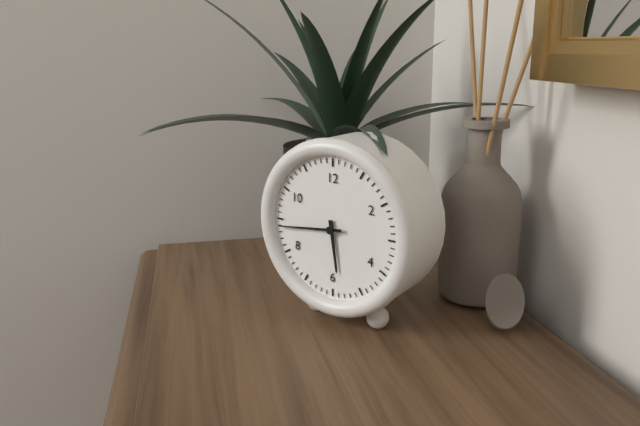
h=5 m=44
